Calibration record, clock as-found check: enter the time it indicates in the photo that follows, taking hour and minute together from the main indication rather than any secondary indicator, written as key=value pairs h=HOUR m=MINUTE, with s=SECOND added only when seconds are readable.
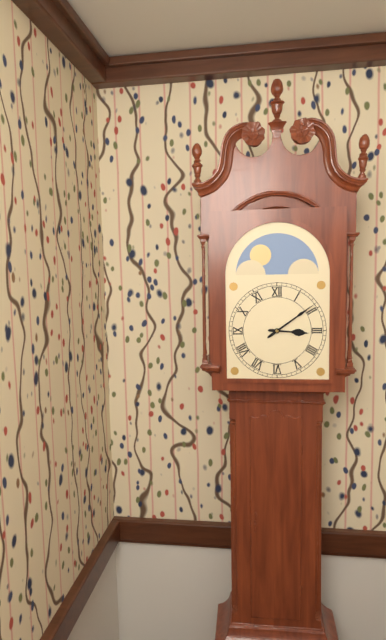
h=3 m=9
